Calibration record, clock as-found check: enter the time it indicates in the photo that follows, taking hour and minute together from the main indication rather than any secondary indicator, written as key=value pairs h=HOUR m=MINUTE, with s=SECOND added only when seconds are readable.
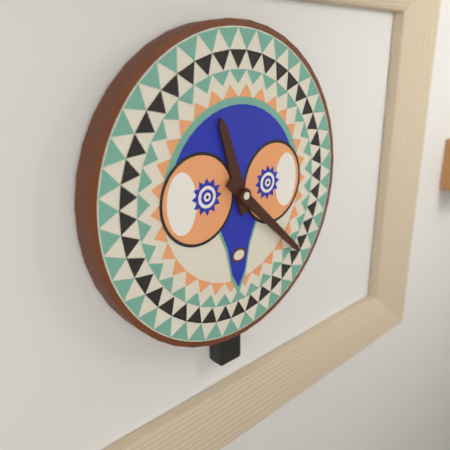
h=11 m=22
